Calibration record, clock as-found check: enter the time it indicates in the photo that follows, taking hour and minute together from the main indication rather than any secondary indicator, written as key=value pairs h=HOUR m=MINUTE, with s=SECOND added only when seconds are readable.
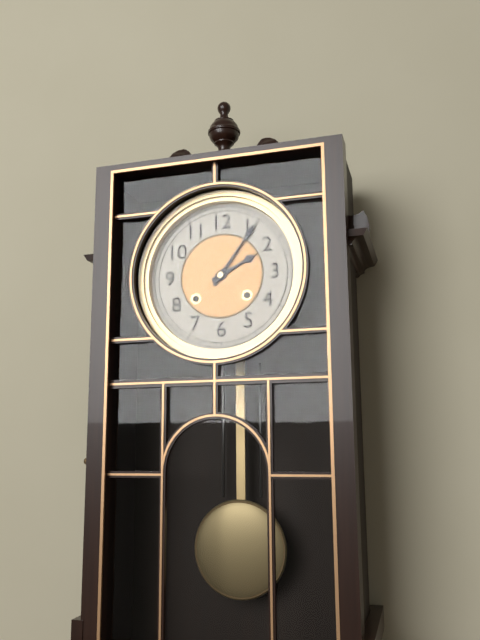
h=2 m=6
